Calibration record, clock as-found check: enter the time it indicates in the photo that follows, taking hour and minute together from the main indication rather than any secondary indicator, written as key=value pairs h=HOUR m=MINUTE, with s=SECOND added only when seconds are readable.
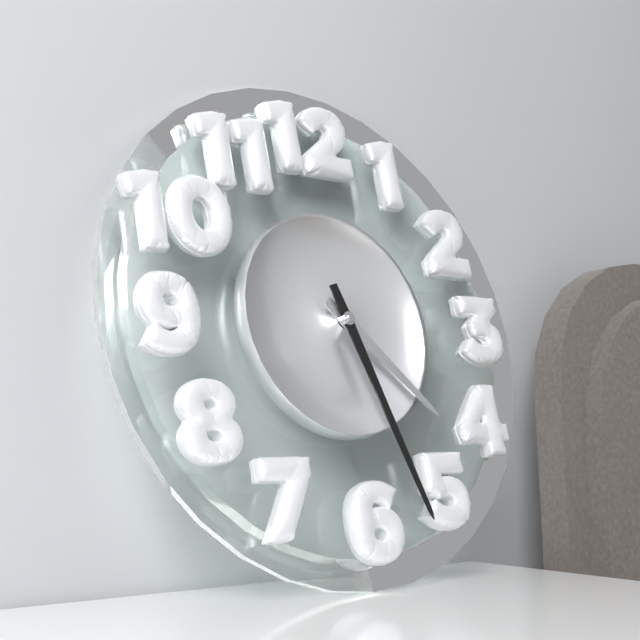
h=4 m=27
